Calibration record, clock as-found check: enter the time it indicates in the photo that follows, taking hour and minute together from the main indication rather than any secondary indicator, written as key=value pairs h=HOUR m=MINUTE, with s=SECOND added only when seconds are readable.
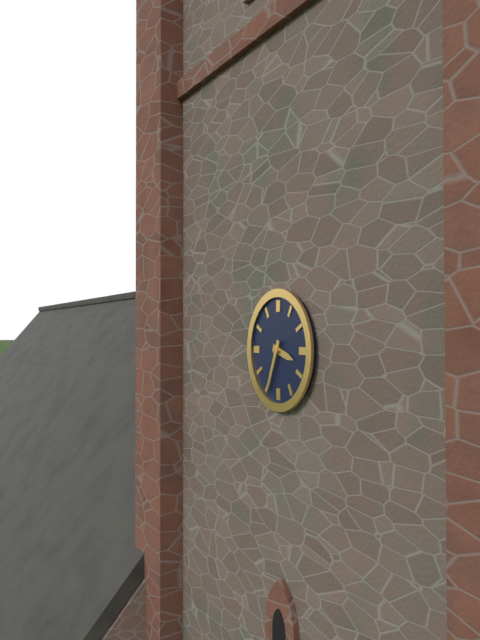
h=3 m=34
